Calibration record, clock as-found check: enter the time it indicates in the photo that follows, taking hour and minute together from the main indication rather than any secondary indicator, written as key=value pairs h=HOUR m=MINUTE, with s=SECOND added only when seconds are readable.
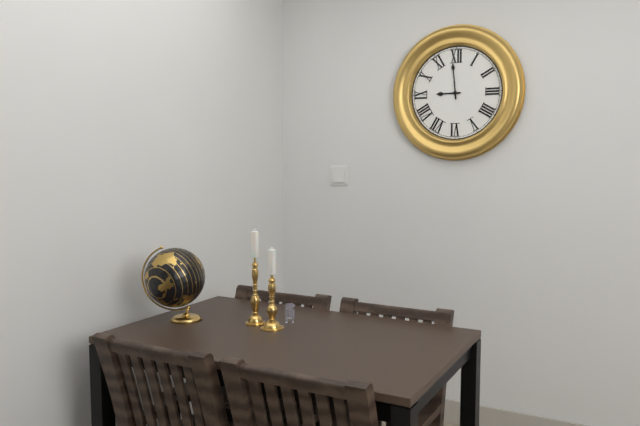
h=8 m=59
